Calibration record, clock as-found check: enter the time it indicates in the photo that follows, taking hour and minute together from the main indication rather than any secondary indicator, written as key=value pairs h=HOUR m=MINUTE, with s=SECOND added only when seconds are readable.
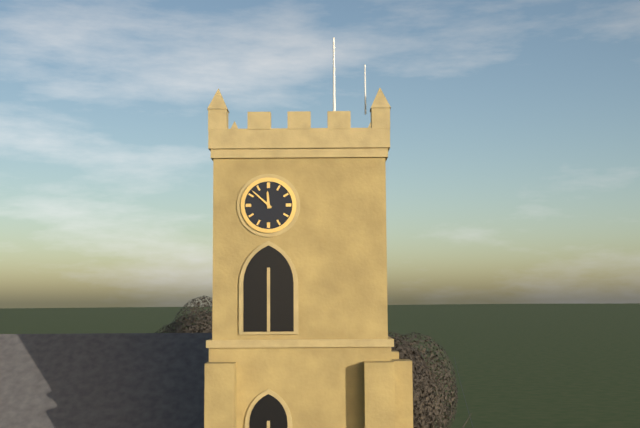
h=11 m=52
